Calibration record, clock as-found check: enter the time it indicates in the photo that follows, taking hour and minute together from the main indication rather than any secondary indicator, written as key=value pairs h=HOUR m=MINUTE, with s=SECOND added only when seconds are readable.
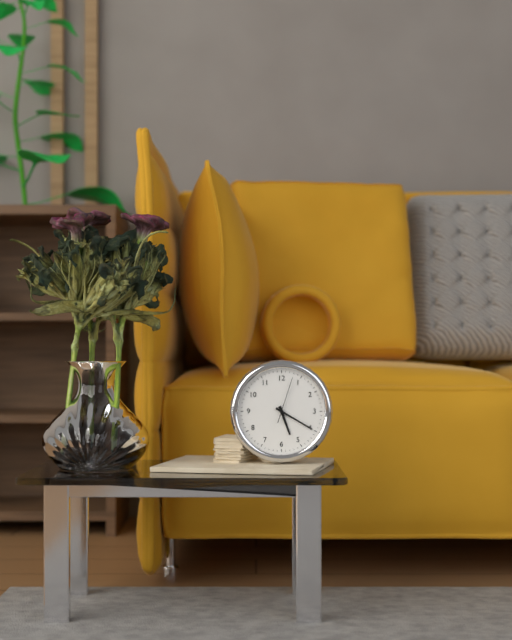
h=5 m=20
